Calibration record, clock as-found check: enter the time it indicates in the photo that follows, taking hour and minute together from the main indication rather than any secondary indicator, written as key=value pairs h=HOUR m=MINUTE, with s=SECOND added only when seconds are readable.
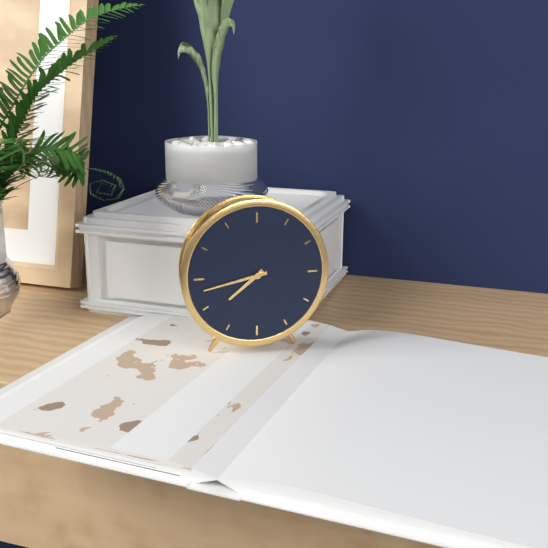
h=7 m=43
